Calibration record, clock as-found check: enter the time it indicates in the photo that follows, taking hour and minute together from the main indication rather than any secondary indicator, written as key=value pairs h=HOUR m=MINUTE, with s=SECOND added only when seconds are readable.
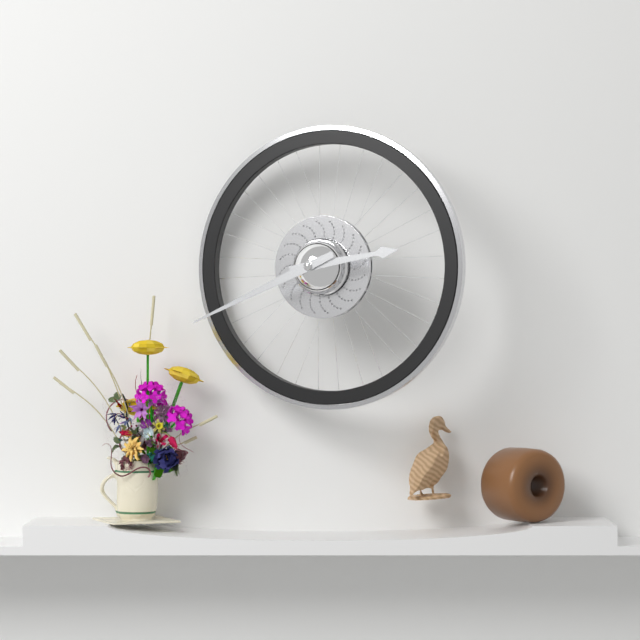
h=2 m=41
